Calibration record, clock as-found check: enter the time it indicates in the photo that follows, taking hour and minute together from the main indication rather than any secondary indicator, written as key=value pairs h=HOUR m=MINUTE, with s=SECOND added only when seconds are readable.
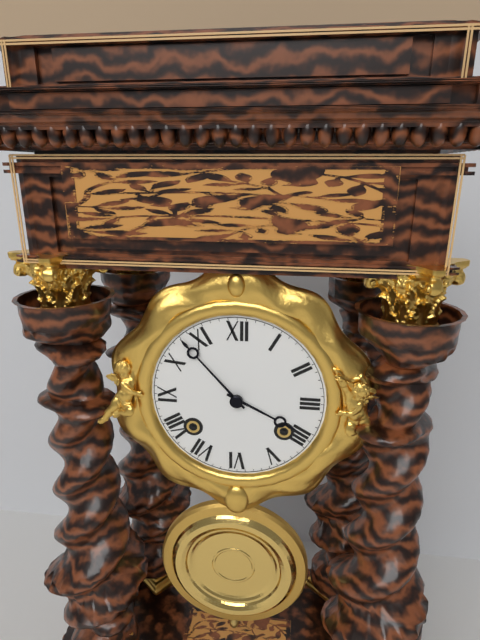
h=3 m=53
